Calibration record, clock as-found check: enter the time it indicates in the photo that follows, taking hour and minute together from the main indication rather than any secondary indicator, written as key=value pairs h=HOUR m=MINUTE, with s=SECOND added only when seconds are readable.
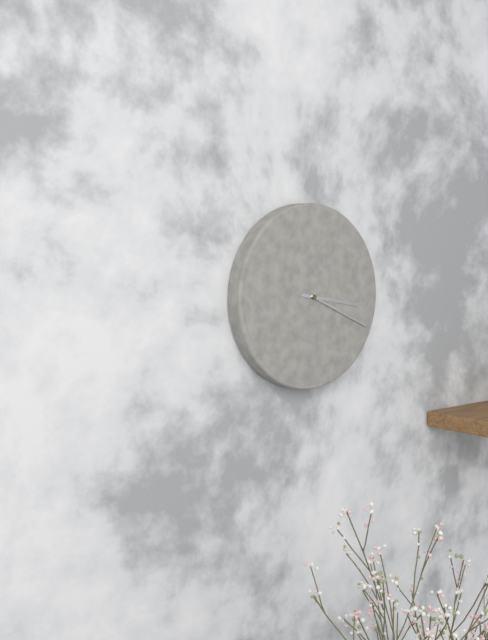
h=3 m=19
